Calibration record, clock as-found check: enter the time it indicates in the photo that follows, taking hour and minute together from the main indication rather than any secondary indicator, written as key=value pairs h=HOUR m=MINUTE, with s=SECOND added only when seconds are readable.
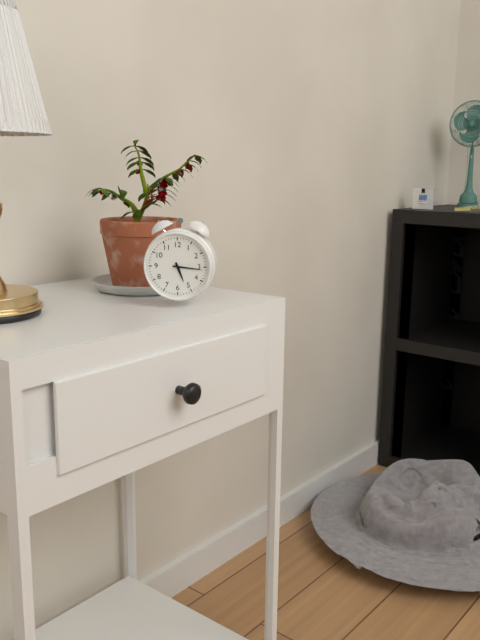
h=5 m=16
